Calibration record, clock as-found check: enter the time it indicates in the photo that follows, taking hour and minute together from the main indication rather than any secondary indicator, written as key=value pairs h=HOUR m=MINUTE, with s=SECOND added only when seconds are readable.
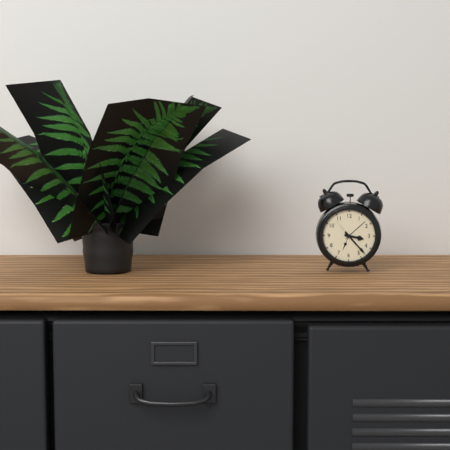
h=3 m=23
